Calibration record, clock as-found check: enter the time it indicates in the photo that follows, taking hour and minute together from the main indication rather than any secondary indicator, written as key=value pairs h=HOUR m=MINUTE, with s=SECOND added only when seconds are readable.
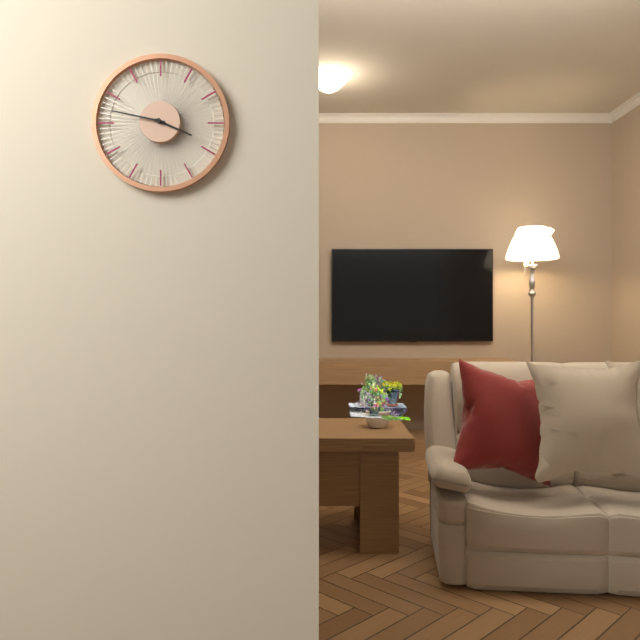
h=3 m=47
